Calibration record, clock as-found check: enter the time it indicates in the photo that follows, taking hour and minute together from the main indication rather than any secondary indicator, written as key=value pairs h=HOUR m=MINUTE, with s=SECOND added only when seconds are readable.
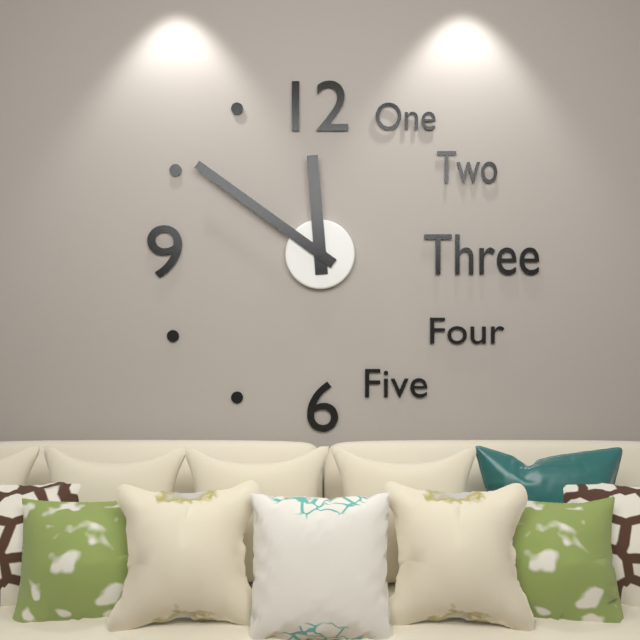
h=11 m=51
